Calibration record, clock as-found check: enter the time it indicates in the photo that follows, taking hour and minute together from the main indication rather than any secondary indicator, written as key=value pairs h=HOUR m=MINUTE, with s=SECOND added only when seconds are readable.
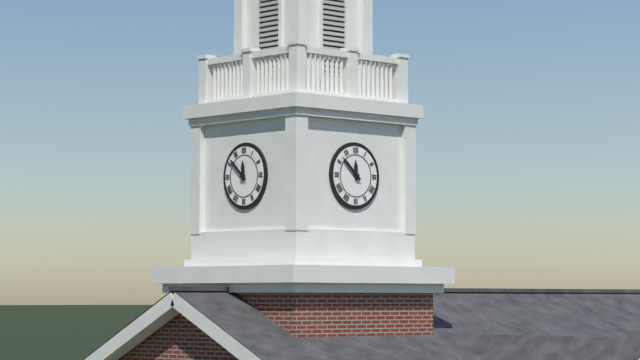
h=11 m=52
